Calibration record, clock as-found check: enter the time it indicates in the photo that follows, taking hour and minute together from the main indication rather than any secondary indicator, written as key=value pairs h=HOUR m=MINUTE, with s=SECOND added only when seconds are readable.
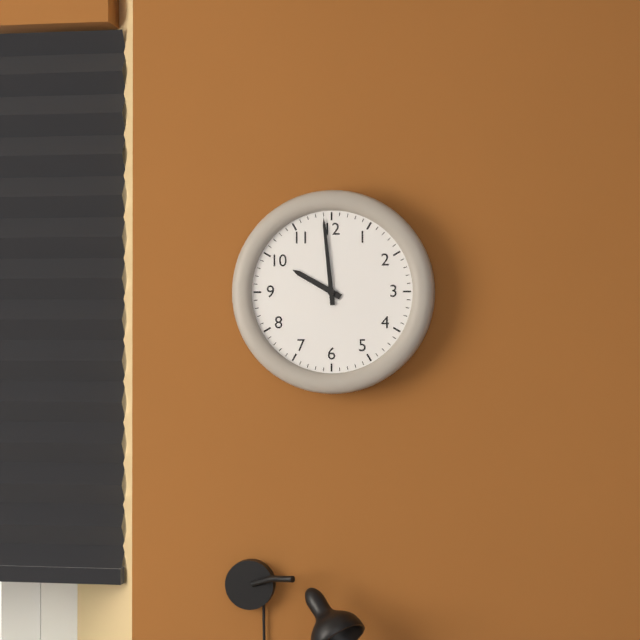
h=9 m=59
